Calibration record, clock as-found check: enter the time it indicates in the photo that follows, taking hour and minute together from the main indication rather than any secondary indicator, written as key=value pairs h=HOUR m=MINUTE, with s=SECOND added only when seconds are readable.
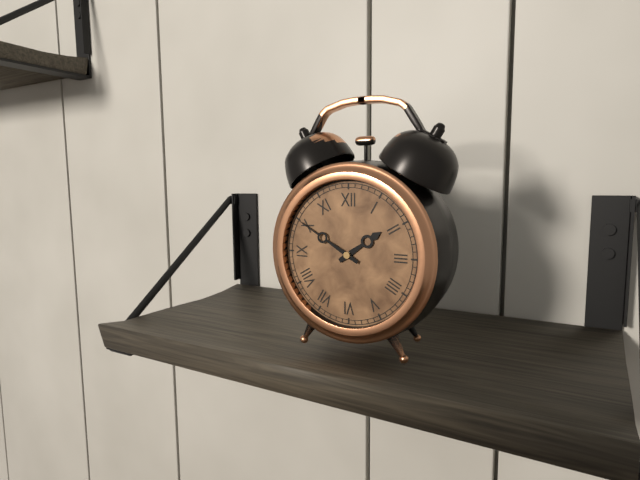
h=1 m=50
